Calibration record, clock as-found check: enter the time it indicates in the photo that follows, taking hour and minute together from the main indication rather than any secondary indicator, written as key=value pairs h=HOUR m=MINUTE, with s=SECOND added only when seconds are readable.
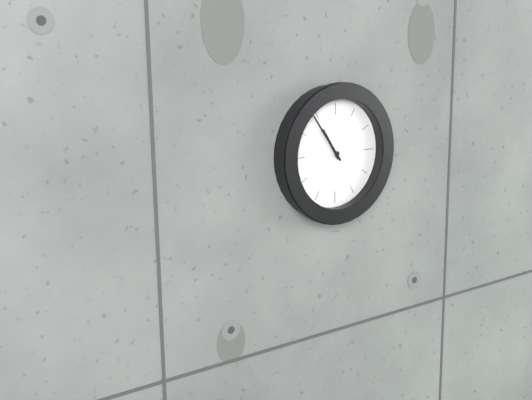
h=10 m=54
